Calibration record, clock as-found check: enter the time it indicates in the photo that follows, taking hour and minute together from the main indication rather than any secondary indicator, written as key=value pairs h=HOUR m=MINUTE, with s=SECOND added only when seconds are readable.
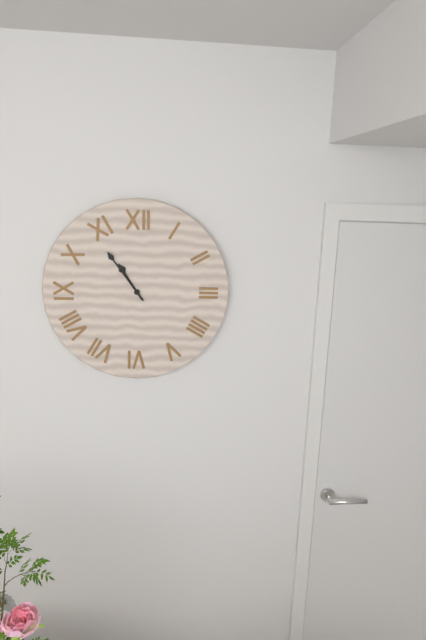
h=10 m=54
